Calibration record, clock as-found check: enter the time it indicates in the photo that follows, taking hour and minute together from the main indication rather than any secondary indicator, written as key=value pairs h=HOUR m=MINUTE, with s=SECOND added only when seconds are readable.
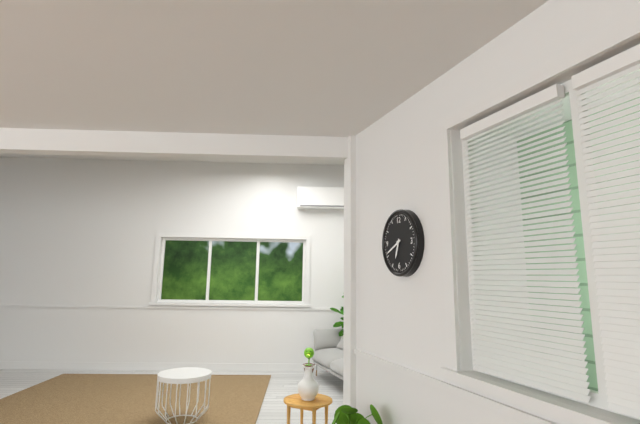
h=6 m=41
